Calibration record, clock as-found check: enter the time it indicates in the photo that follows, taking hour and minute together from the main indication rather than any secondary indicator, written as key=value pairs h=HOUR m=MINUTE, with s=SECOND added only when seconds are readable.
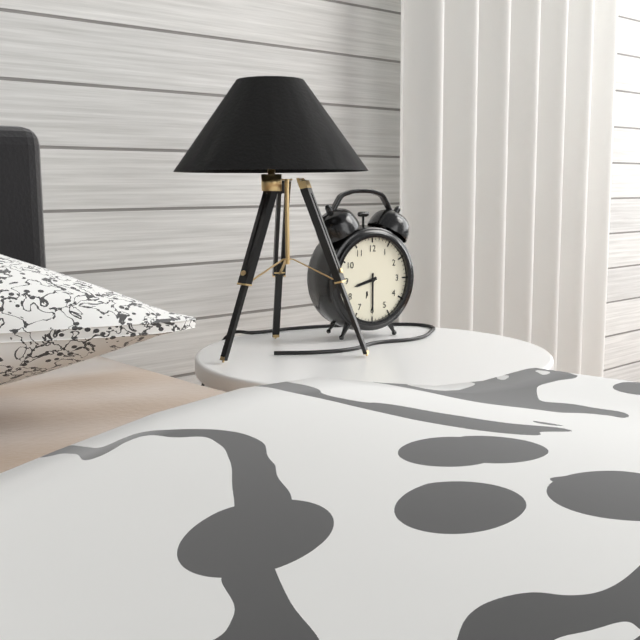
h=8 m=30
